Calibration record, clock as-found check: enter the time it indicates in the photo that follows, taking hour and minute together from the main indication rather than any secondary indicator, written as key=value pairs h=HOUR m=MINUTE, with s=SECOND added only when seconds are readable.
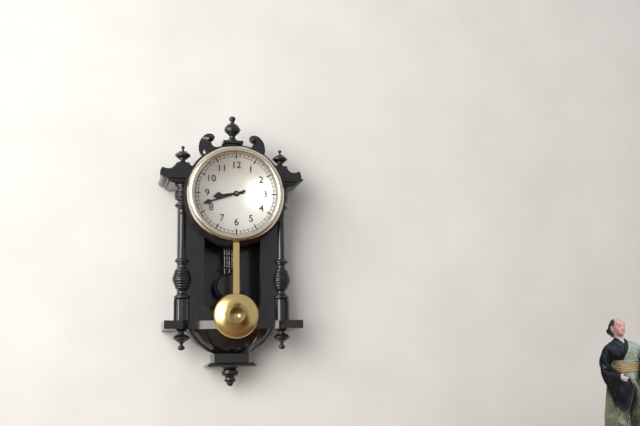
h=8 m=42
